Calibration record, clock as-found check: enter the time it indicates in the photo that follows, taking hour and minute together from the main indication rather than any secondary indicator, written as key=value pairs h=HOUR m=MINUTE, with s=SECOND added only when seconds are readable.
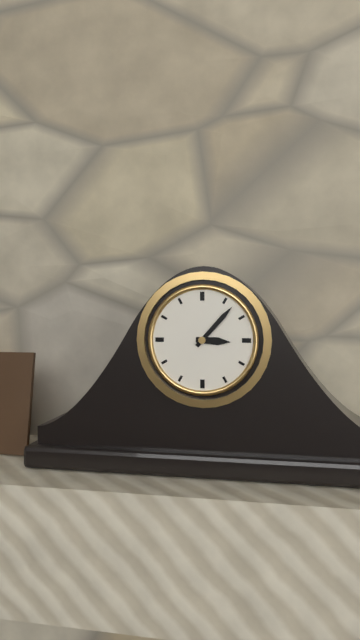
h=3 m=7
